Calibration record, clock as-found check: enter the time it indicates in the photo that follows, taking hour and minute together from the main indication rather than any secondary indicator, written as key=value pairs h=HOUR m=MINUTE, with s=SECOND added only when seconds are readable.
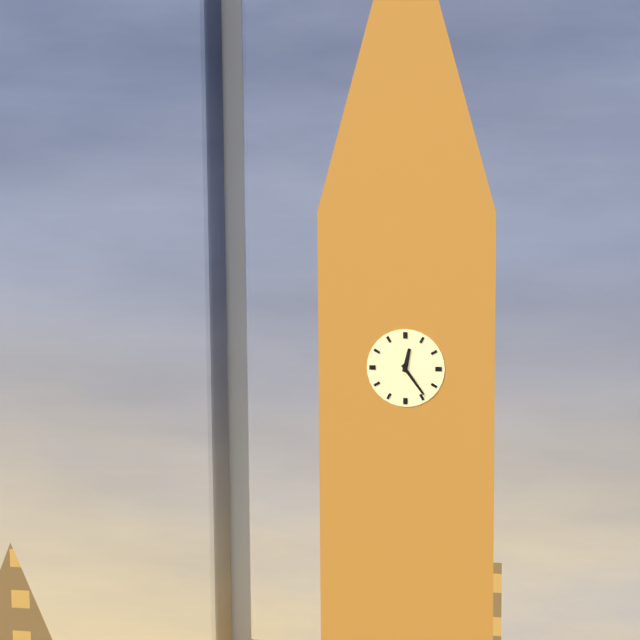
h=12 m=24
